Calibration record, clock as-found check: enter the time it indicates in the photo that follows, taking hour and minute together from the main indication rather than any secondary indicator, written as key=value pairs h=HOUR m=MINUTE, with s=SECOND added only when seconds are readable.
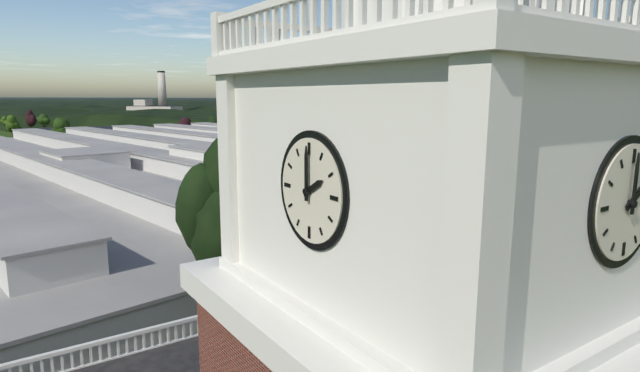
h=2 m=0
